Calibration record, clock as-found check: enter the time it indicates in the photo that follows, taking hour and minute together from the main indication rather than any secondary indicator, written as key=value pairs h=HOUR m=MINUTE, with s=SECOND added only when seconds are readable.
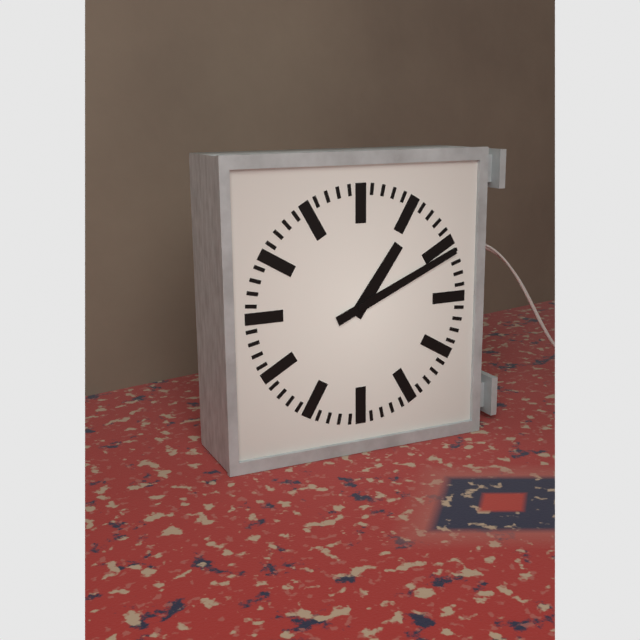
h=1 m=11
